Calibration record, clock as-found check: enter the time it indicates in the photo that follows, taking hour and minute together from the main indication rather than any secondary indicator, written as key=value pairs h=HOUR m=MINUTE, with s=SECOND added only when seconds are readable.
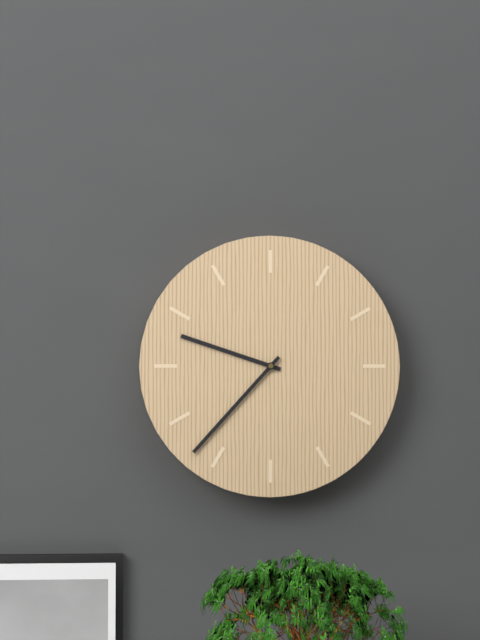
h=9 m=37
